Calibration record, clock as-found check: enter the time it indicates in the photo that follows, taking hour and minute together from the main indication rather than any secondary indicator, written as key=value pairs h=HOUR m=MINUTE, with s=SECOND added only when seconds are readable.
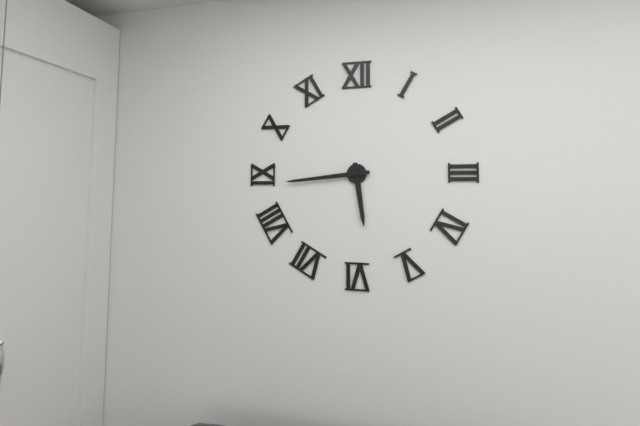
h=5 m=44
